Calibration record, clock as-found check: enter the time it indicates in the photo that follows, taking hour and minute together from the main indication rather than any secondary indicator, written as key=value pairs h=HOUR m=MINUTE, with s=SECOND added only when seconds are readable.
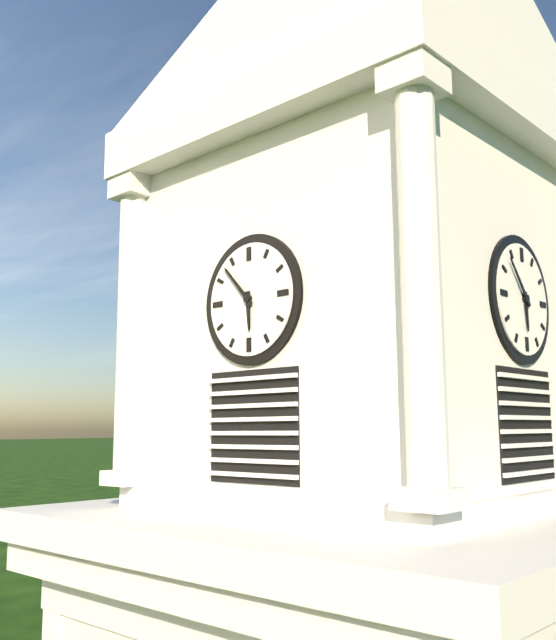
h=5 m=53
